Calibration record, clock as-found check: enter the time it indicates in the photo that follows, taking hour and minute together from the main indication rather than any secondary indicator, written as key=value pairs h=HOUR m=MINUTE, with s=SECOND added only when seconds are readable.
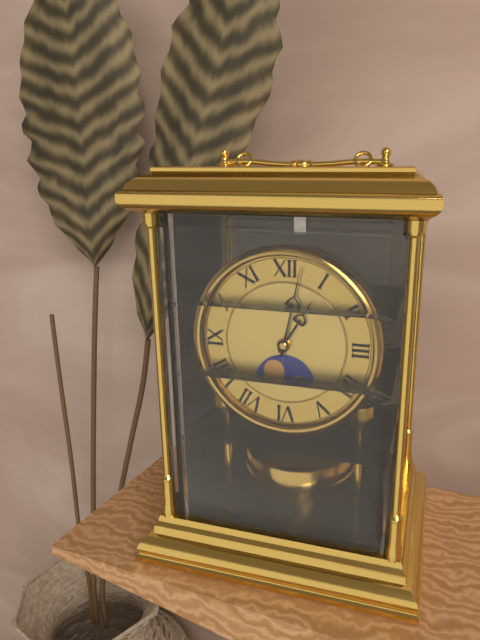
h=1 m=2
